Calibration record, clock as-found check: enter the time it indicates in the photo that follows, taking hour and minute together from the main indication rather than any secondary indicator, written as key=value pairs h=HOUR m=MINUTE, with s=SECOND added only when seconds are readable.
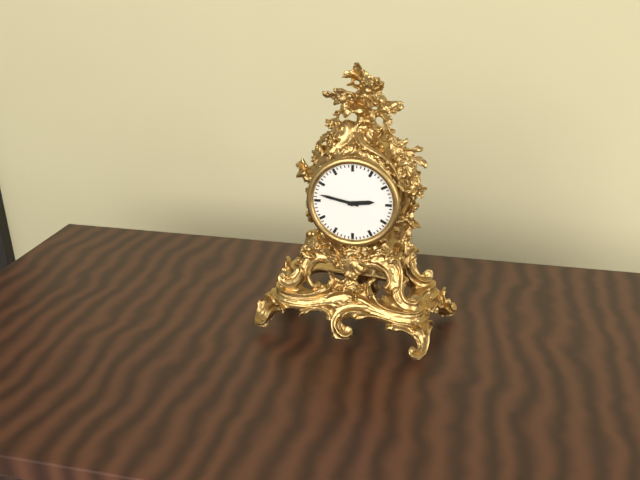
h=2 m=47
